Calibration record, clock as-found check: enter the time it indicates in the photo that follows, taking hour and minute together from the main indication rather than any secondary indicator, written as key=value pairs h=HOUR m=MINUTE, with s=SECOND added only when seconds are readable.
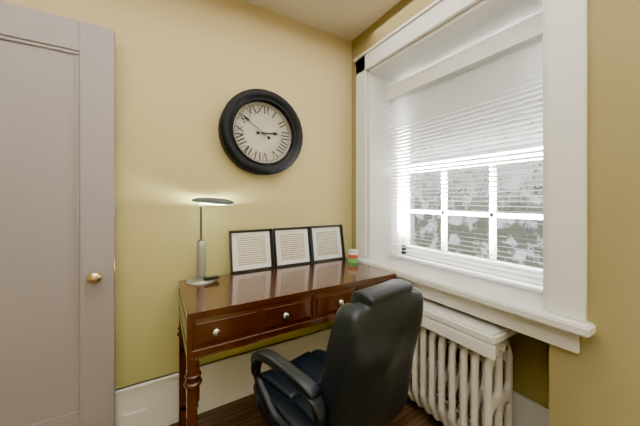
h=2 m=51
